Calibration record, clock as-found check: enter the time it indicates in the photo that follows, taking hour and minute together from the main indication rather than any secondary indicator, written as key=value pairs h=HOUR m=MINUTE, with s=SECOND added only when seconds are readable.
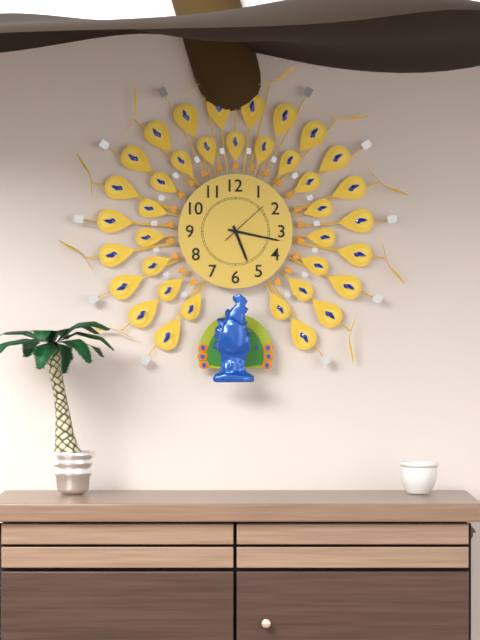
h=5 m=17
